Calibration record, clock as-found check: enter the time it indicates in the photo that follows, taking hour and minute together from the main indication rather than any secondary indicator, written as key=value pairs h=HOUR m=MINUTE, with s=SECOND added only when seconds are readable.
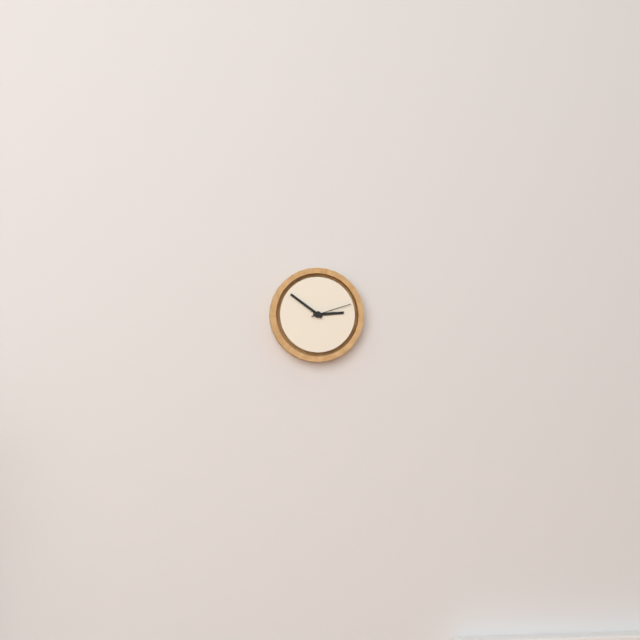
h=2 m=51
